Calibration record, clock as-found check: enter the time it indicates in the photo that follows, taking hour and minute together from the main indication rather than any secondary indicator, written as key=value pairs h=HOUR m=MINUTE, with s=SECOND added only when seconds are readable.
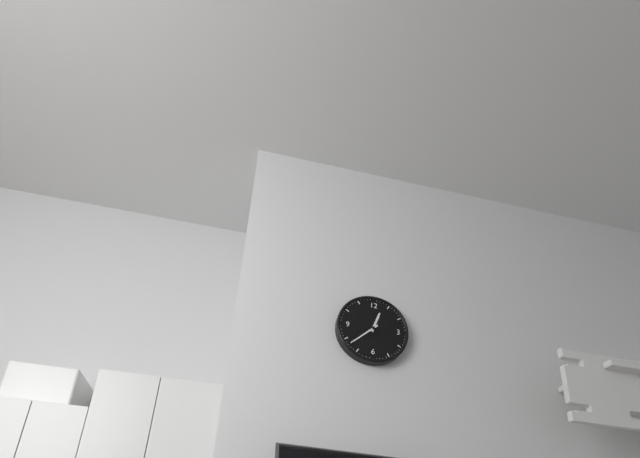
h=12 m=38
